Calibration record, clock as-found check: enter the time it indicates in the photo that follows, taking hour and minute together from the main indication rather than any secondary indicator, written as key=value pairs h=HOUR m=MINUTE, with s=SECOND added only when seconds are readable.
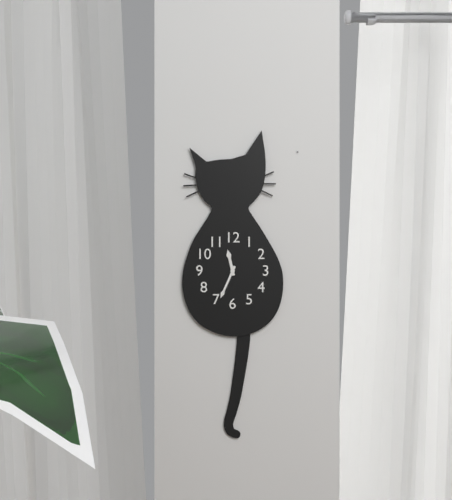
h=11 m=34
